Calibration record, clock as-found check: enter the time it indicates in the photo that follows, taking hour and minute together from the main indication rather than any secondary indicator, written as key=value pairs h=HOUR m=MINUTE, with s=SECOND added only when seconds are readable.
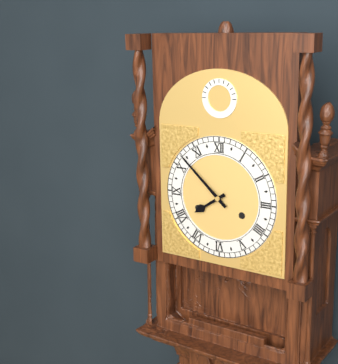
h=7 m=52
